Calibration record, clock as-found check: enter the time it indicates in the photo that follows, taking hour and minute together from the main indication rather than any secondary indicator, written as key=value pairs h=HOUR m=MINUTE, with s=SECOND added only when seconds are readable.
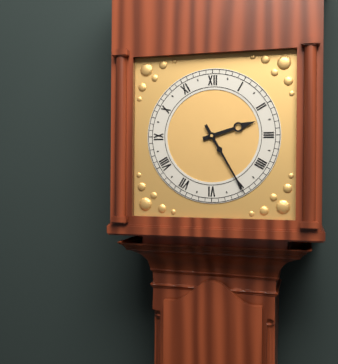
h=2 m=25
